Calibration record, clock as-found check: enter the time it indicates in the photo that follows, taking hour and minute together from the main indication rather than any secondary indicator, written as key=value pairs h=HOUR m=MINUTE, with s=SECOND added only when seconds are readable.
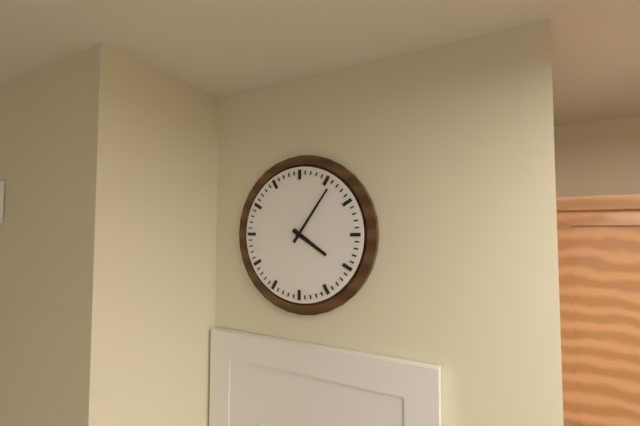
h=4 m=6
